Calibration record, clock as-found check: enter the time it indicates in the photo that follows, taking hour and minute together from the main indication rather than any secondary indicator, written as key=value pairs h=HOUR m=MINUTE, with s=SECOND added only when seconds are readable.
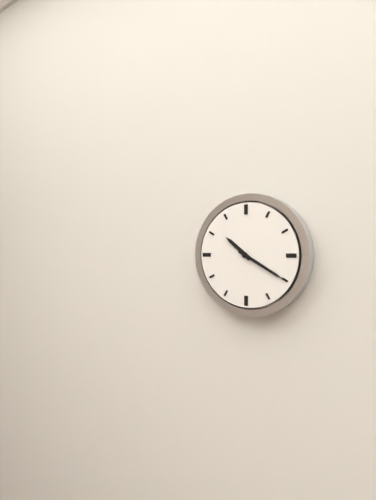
h=10 m=20
